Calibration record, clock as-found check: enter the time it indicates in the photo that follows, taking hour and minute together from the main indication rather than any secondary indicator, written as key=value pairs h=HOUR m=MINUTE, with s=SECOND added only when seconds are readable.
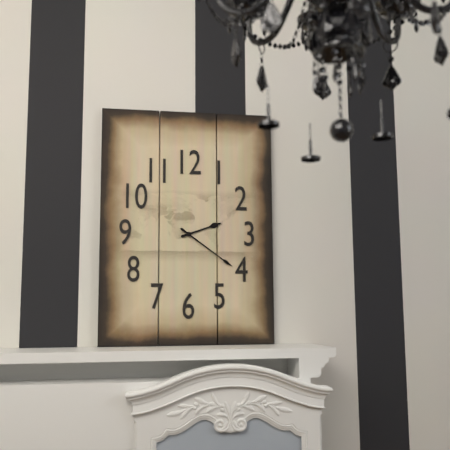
h=2 m=21
